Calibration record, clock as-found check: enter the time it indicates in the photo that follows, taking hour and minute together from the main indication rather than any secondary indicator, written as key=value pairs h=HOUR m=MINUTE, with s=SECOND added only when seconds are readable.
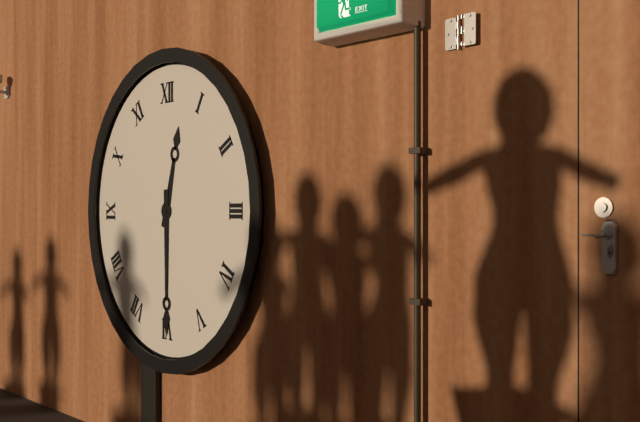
h=12 m=30
